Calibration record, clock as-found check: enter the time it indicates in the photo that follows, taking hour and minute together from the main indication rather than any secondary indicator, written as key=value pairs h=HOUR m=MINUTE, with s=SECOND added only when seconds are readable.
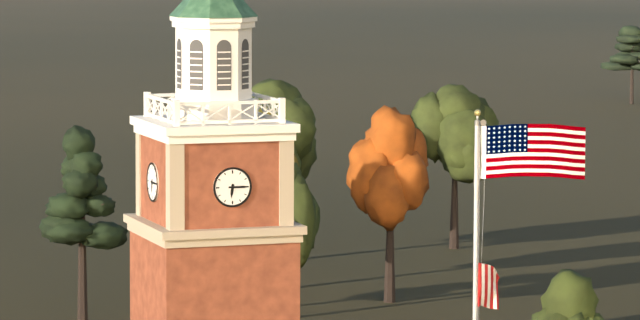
h=6 m=15
